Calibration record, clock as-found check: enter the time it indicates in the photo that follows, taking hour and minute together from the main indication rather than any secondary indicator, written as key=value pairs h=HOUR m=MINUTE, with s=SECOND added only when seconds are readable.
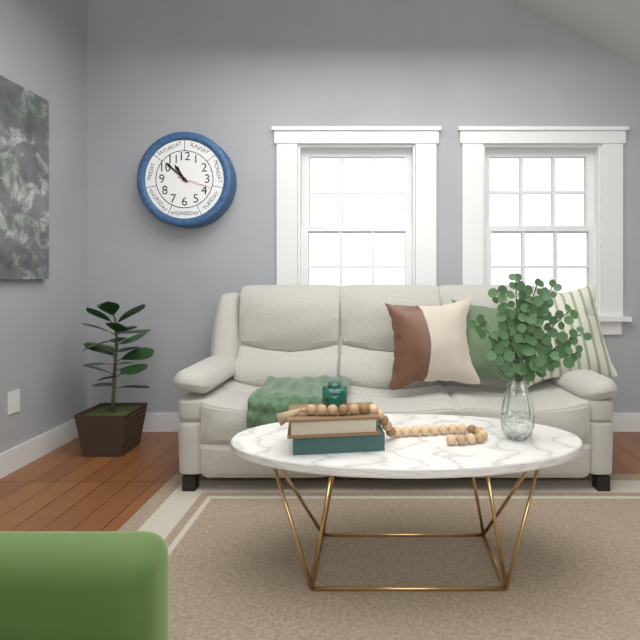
h=10 m=52
